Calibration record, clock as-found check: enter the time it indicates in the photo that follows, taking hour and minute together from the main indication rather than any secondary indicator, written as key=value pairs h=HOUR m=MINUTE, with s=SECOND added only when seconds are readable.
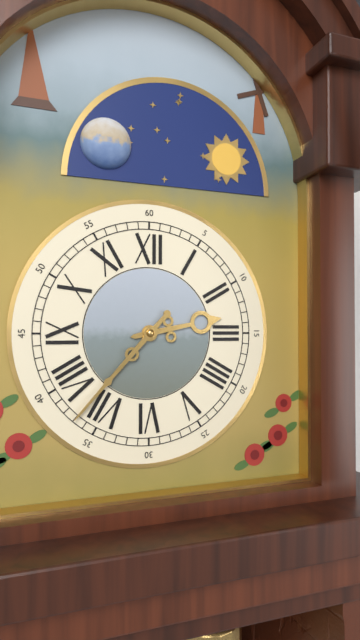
h=2 m=37
